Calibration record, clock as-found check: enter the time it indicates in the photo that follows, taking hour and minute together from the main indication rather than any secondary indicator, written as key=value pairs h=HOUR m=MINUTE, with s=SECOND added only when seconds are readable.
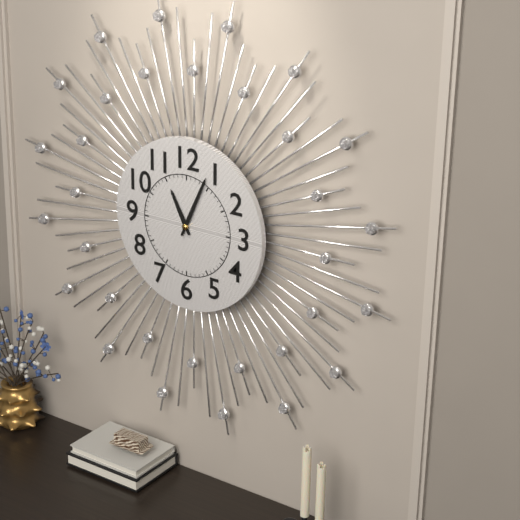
h=11 m=4
